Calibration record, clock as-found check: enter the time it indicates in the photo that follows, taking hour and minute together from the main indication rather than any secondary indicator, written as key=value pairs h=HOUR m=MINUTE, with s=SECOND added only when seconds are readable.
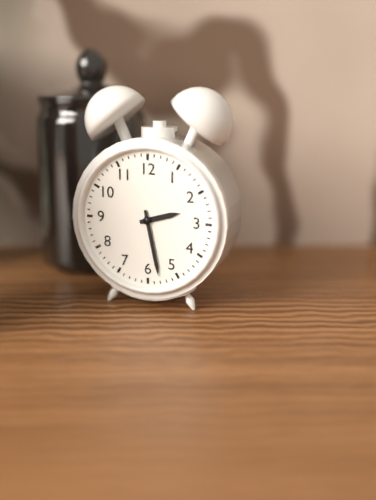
h=2 m=28
